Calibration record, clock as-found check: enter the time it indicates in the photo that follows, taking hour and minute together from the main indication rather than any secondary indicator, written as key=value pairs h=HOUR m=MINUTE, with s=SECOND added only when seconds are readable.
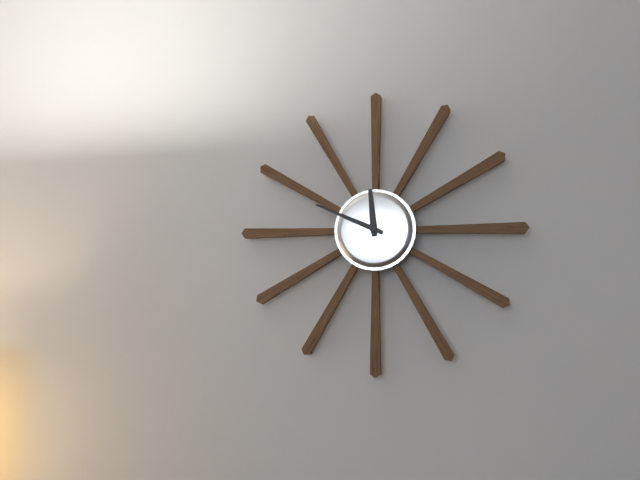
h=11 m=49
